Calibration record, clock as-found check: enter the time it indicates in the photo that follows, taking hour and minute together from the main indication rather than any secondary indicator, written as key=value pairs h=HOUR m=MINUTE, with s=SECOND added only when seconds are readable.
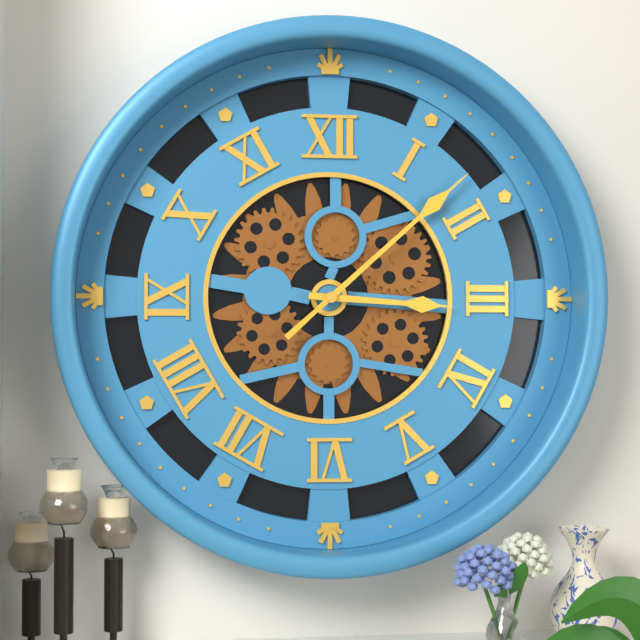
h=3 m=8
